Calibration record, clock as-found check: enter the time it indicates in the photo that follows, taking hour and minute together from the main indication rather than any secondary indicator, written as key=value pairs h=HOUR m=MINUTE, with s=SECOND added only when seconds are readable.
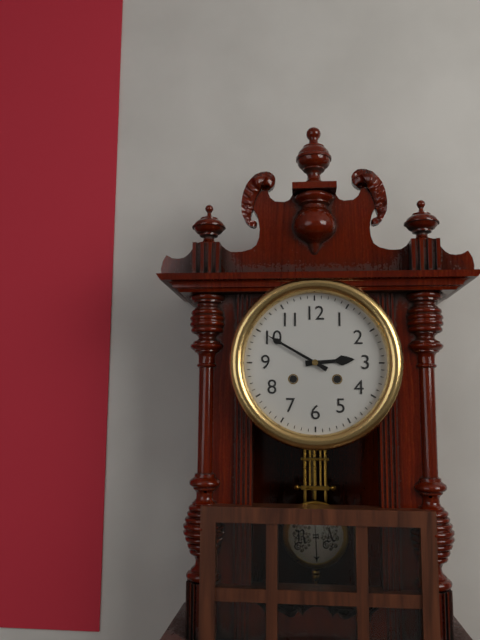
h=2 m=50
